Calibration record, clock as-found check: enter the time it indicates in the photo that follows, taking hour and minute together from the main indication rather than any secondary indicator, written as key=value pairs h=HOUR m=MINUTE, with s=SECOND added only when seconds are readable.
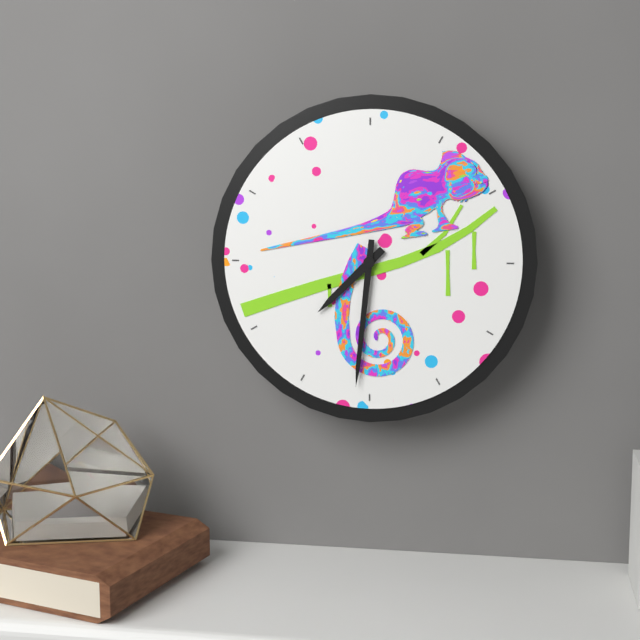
h=7 m=31
